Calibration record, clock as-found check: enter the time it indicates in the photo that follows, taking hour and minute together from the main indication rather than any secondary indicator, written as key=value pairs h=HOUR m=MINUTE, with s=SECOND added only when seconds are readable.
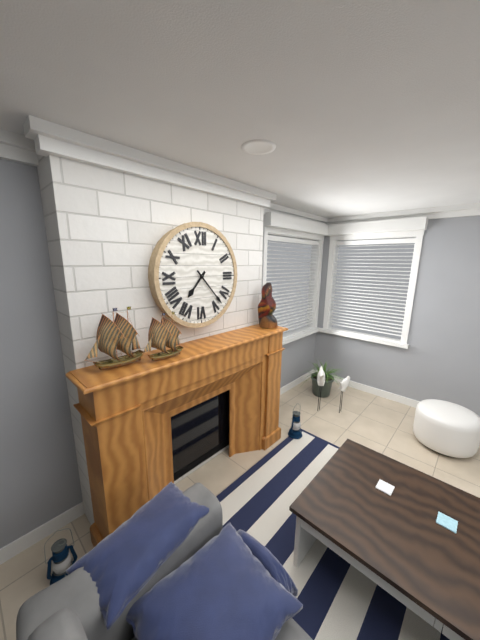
h=7 m=23
